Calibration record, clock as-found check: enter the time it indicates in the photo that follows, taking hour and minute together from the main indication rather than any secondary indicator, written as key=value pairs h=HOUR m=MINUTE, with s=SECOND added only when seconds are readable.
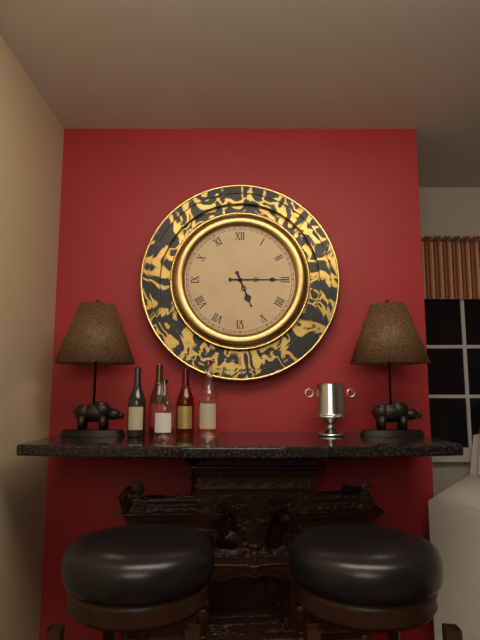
h=5 m=15
